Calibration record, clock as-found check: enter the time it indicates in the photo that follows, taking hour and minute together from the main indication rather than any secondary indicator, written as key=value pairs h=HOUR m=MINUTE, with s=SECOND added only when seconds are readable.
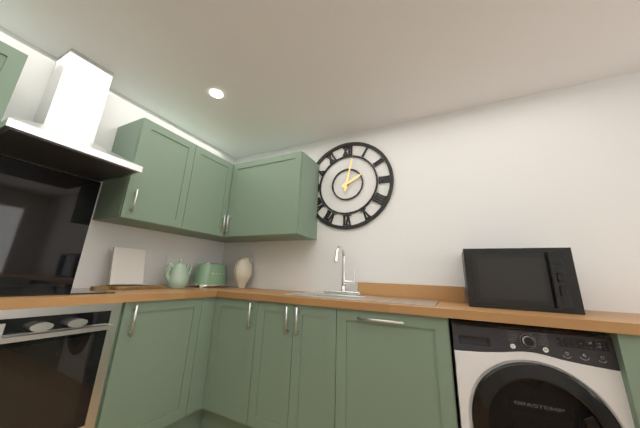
h=2 m=2
